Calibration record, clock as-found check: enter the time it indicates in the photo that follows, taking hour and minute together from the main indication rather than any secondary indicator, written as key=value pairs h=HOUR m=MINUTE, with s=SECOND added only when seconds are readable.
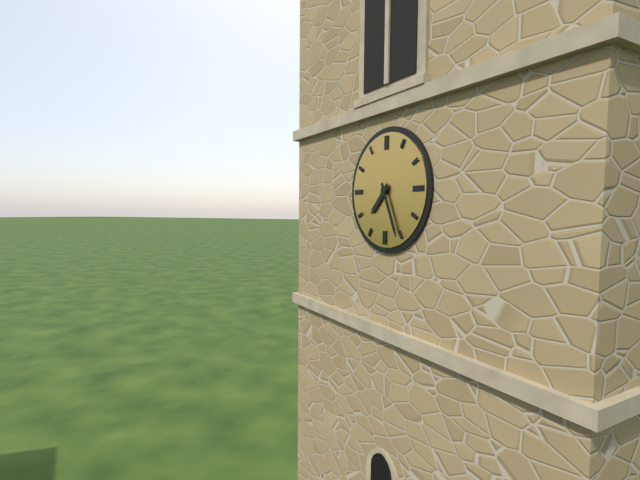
h=7 m=26
